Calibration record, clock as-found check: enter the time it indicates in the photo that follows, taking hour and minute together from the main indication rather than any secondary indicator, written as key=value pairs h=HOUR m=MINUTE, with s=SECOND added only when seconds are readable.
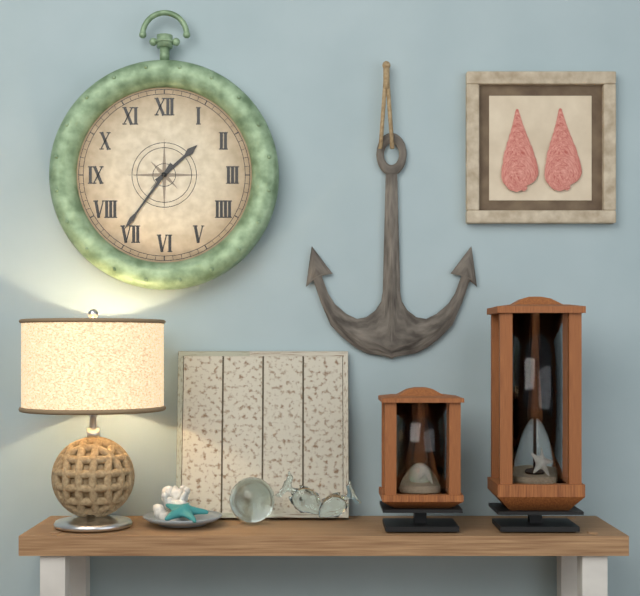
h=1 m=36
